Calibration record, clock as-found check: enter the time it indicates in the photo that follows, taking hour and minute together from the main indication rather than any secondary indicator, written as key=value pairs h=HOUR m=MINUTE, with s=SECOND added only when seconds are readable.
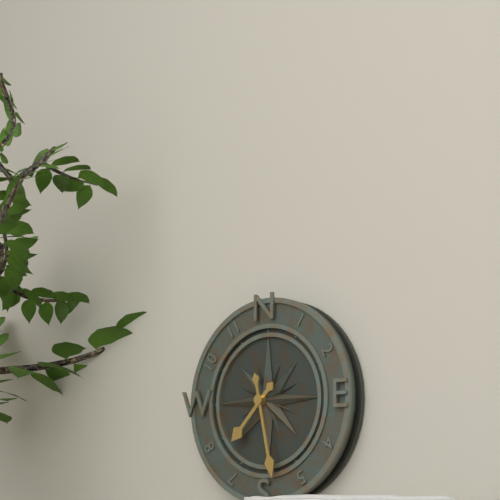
h=7 m=28
